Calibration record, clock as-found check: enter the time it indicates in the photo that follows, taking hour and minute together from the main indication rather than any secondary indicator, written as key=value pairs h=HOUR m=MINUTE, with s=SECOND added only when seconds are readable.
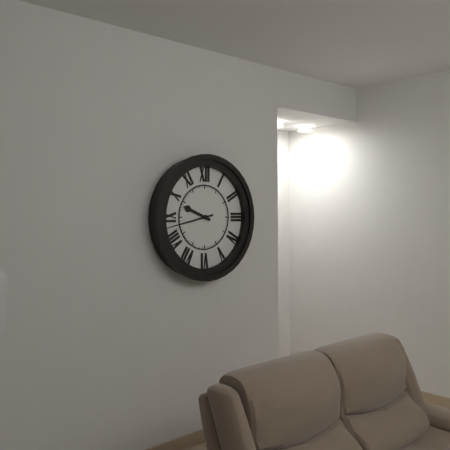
h=9 m=43
